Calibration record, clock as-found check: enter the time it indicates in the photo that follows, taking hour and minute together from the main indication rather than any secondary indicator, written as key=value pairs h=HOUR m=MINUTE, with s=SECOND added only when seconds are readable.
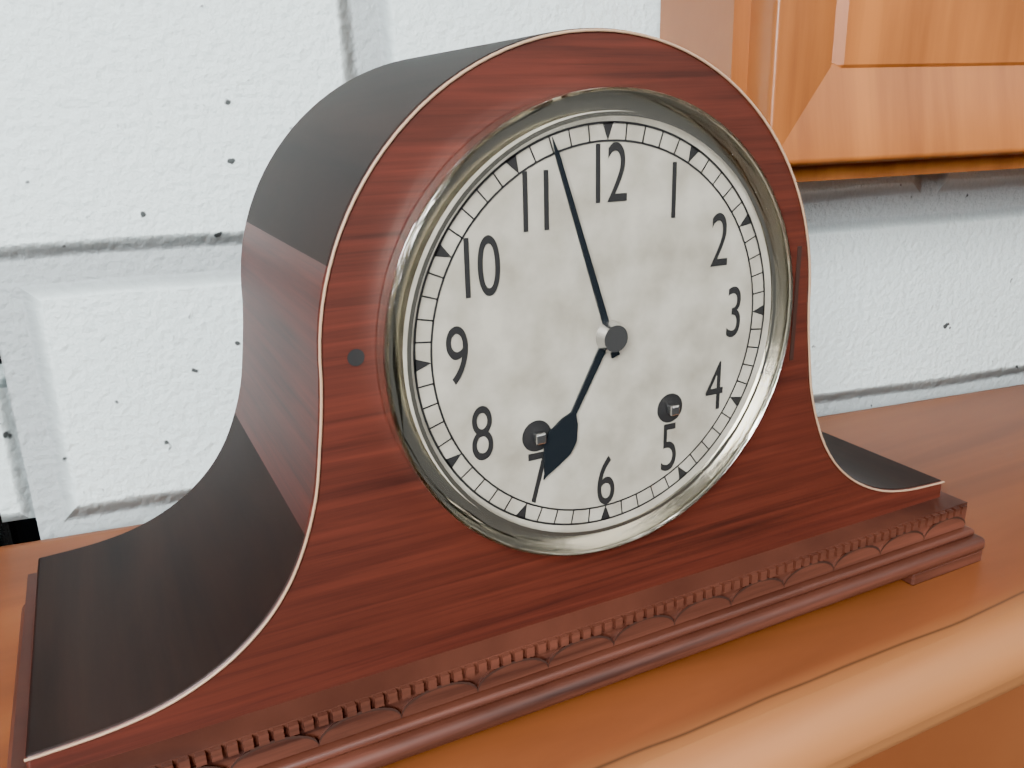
h=6 m=57
